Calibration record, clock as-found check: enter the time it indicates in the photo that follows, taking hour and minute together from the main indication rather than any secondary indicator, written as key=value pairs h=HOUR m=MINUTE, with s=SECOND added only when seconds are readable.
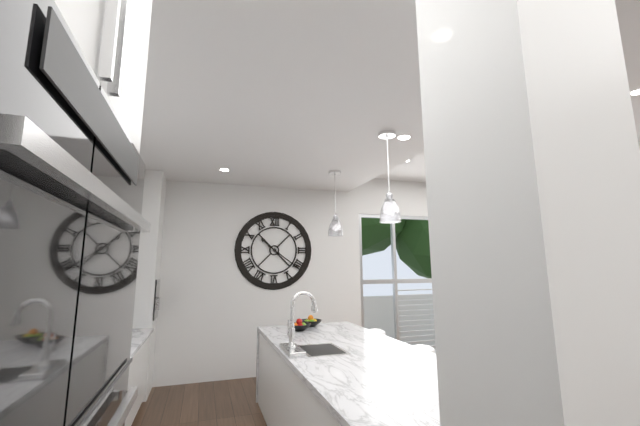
h=10 m=21
